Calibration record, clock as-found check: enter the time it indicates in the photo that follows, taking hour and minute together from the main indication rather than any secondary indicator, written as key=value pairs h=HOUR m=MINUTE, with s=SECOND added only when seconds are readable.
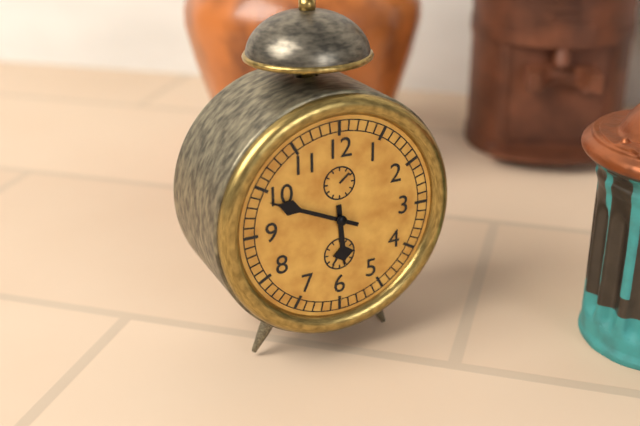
h=5 m=49
